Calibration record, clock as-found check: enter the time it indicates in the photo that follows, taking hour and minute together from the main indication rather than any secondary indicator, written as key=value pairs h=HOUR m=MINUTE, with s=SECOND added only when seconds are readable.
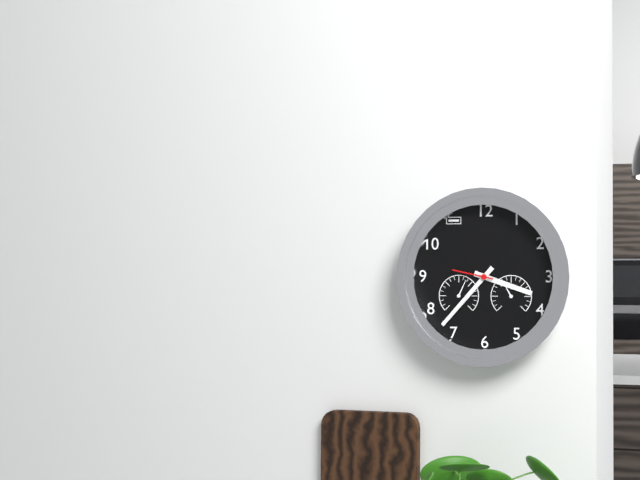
h=3 m=37
